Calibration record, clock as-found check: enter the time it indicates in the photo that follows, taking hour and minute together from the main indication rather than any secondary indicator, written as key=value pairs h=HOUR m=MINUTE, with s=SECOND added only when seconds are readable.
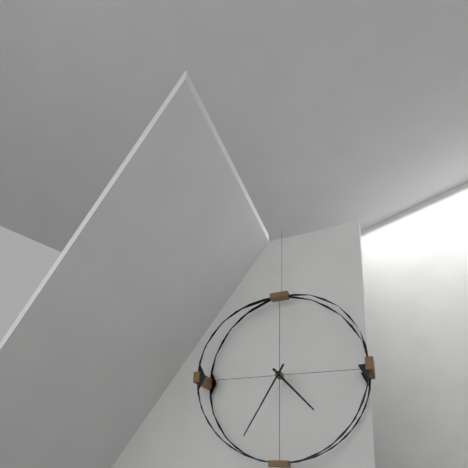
h=4 m=35
